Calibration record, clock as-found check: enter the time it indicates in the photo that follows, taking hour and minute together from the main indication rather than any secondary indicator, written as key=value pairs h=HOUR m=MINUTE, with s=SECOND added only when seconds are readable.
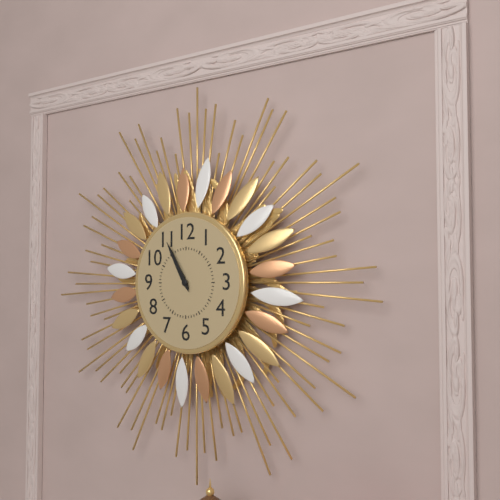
h=10 m=55
